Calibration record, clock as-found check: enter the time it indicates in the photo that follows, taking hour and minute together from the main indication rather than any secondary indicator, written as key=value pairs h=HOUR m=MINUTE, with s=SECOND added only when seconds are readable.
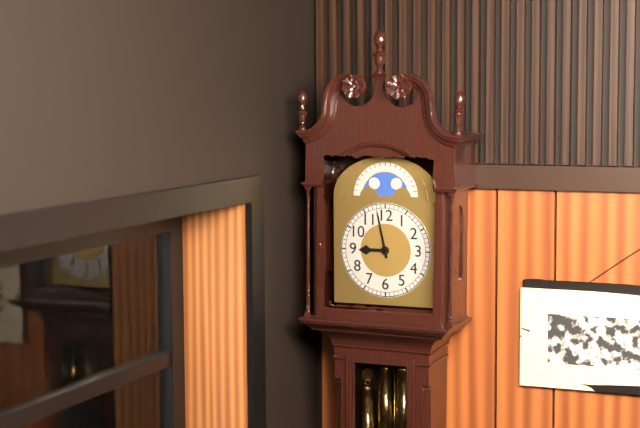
h=8 m=58
